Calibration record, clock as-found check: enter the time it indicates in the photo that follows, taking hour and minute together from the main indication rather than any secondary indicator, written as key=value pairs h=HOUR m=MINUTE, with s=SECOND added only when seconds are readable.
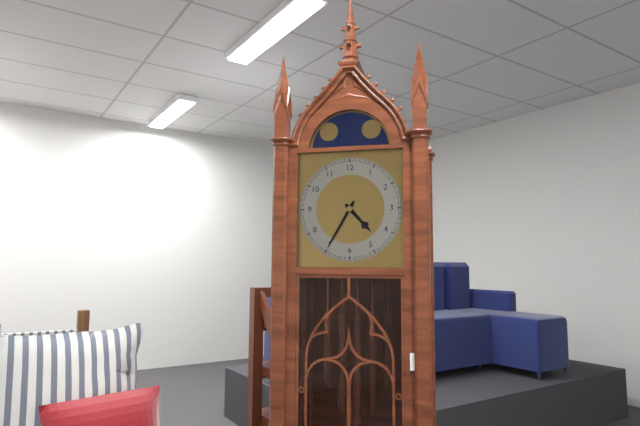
h=4 m=35
